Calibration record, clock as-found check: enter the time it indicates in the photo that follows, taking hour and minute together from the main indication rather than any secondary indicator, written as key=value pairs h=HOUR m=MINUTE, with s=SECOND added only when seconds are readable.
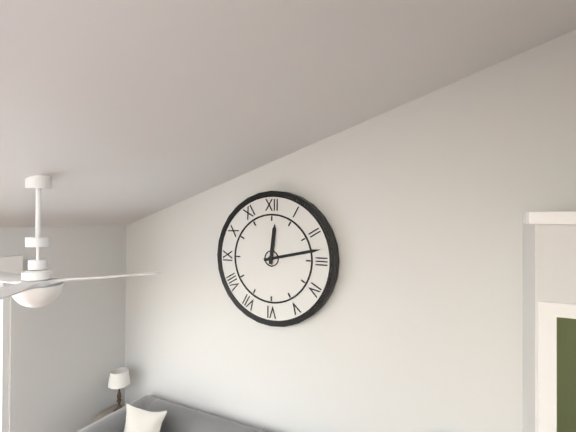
h=12 m=13
